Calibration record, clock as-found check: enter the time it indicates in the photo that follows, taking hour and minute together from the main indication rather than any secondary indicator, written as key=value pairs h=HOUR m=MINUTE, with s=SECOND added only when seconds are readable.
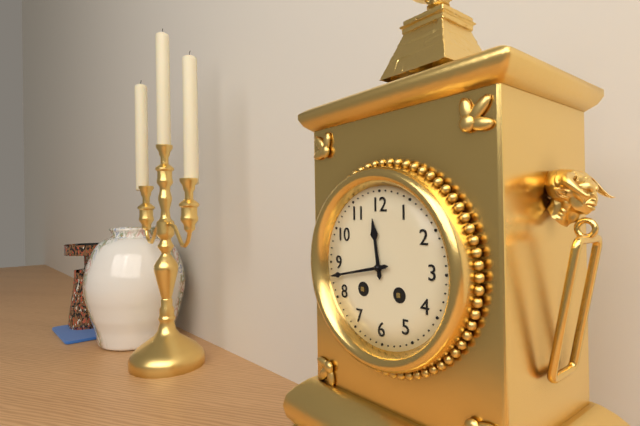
h=11 m=43
